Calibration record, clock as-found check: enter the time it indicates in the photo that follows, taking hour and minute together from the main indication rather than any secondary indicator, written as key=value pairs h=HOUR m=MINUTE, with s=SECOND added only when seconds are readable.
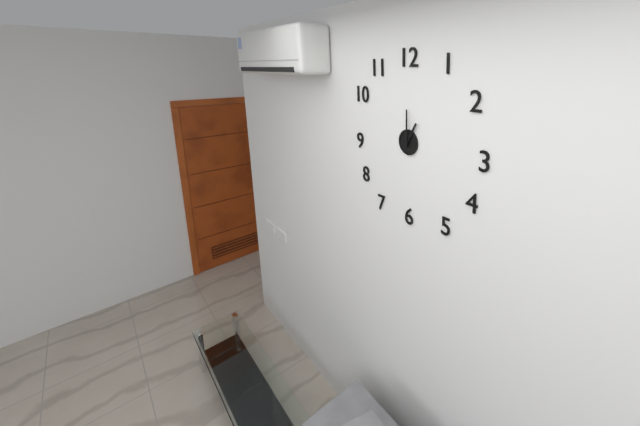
h=1 m=0
